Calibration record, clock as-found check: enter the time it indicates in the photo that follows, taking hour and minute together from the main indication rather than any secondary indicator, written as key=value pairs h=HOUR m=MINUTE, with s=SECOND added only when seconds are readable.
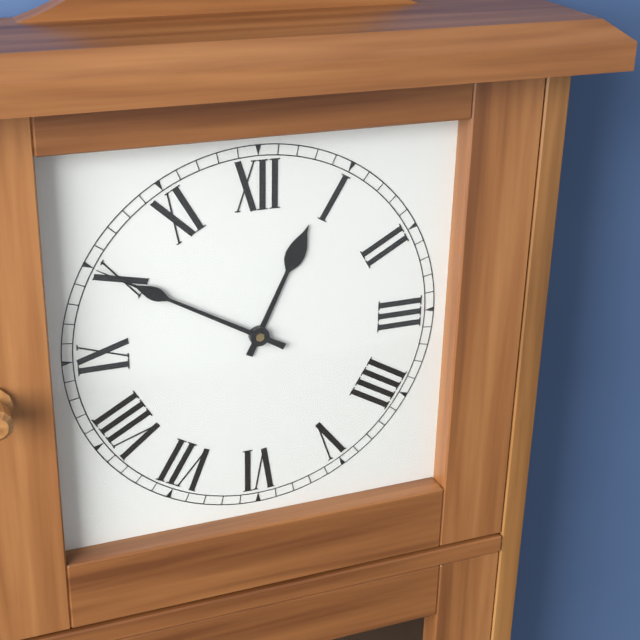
h=12 m=50
